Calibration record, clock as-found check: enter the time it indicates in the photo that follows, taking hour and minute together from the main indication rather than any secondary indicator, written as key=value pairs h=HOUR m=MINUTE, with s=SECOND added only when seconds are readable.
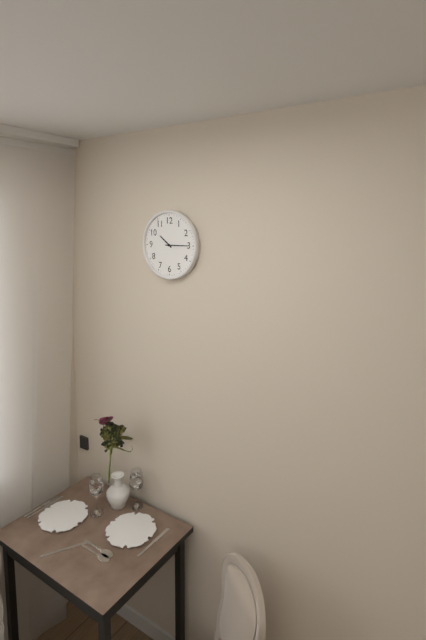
h=10 m=15
